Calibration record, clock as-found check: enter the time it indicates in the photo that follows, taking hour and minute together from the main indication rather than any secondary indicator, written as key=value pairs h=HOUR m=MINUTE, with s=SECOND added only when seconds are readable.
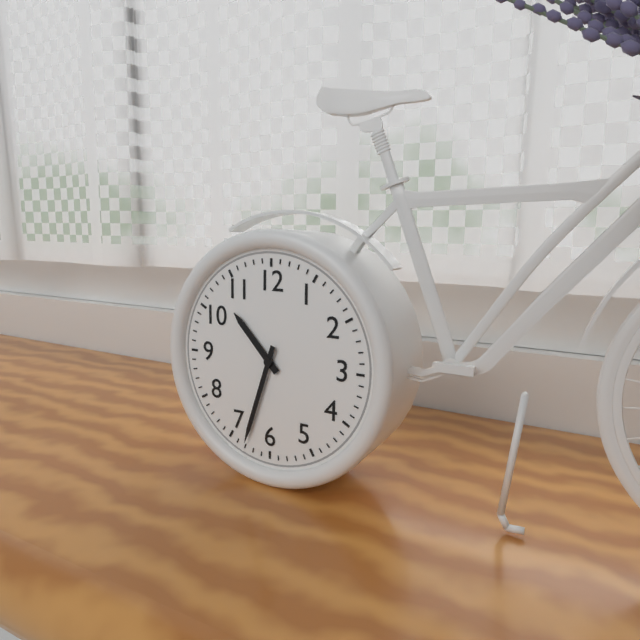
h=10 m=33
